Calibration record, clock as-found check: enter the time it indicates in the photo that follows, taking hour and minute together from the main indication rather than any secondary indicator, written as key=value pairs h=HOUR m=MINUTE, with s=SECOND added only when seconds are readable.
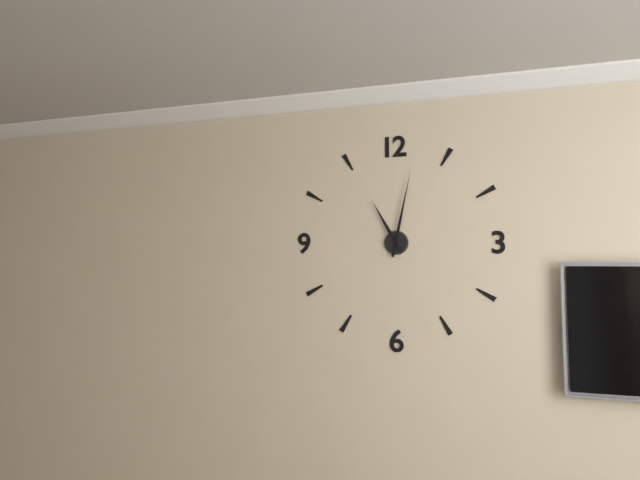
h=11 m=2
